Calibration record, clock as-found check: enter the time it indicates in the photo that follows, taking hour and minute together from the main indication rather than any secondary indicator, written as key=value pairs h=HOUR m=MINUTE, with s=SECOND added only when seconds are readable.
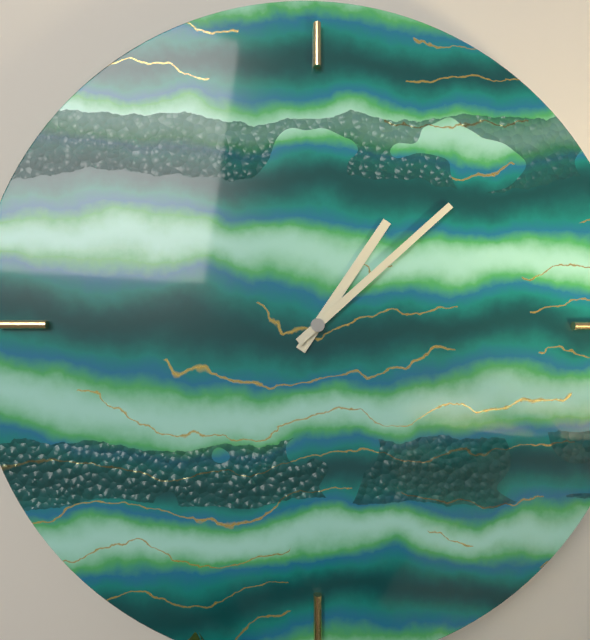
h=1 m=8
